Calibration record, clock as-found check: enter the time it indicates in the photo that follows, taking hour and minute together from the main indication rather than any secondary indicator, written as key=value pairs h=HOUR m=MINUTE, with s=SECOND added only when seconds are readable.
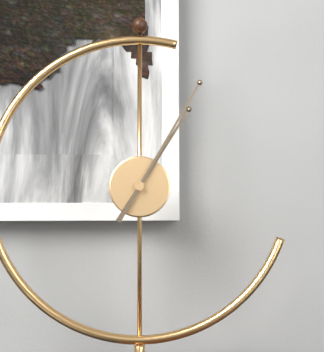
h=1 m=5
